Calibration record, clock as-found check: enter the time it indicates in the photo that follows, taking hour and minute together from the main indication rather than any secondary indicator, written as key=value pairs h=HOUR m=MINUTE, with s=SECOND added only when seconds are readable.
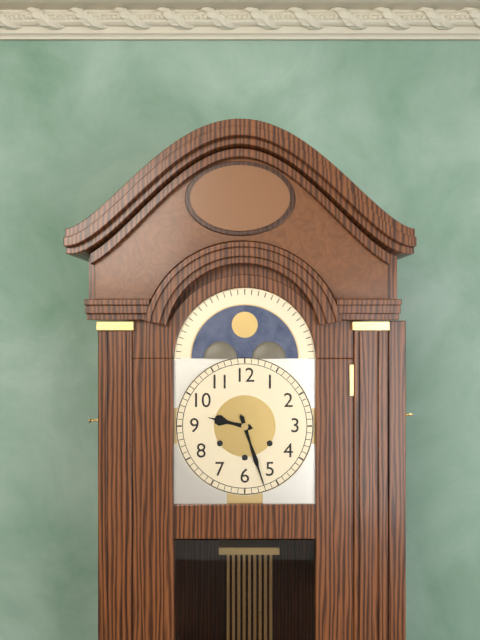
h=9 m=27
